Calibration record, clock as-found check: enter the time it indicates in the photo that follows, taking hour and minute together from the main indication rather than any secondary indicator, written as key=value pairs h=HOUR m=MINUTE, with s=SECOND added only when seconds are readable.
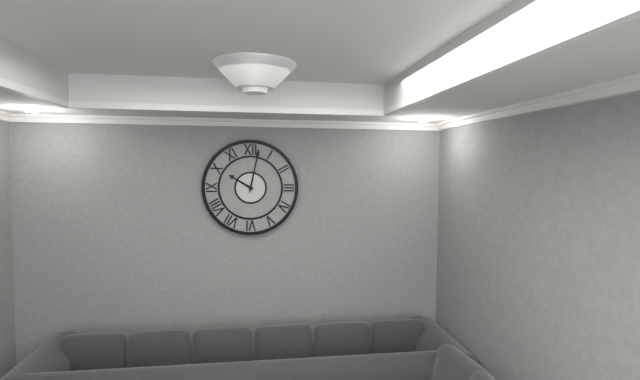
h=10 m=2
